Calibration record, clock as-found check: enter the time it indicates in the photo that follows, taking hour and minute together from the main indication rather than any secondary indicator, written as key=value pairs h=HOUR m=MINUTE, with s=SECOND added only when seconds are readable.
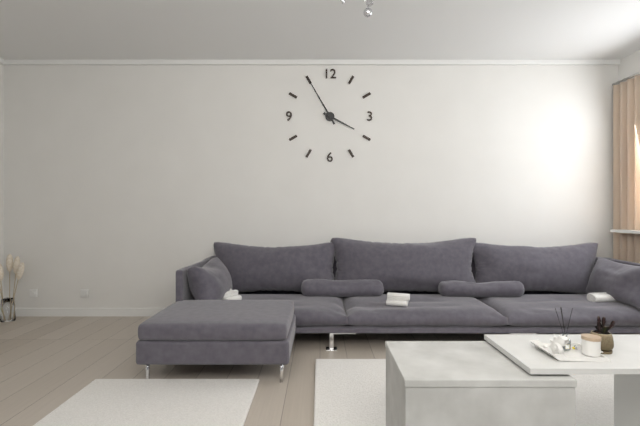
h=3 m=55
